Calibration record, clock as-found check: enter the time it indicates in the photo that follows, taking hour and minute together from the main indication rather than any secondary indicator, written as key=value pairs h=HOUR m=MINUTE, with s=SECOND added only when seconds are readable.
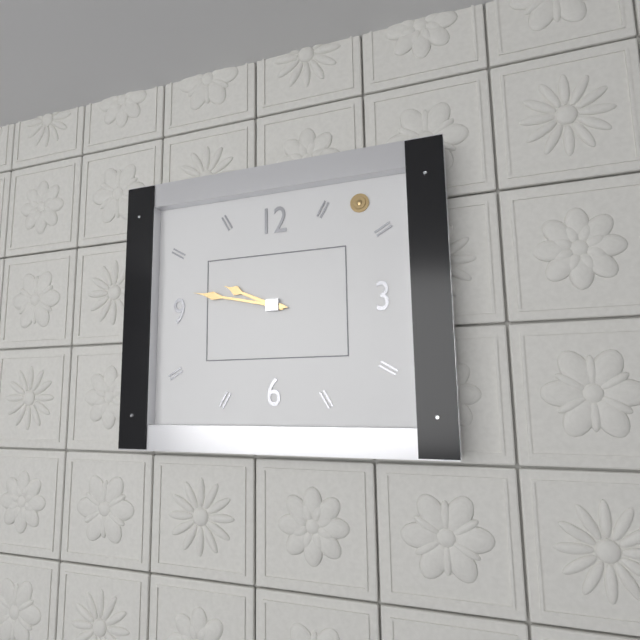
h=9 m=47
